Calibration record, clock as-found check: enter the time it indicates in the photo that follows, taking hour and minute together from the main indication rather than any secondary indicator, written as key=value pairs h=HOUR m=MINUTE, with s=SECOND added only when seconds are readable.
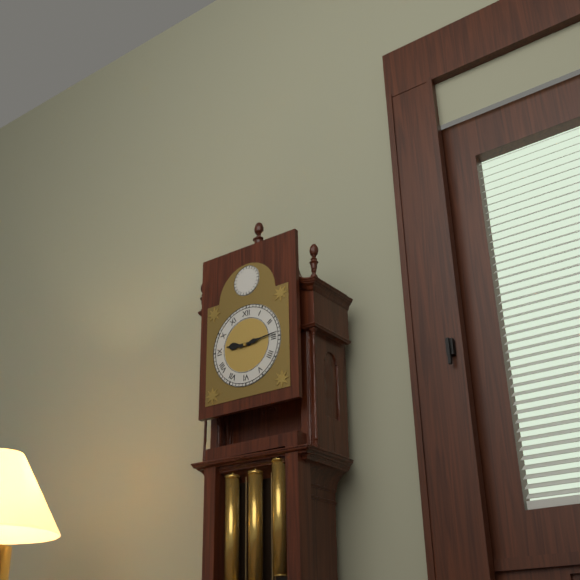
h=9 m=14
